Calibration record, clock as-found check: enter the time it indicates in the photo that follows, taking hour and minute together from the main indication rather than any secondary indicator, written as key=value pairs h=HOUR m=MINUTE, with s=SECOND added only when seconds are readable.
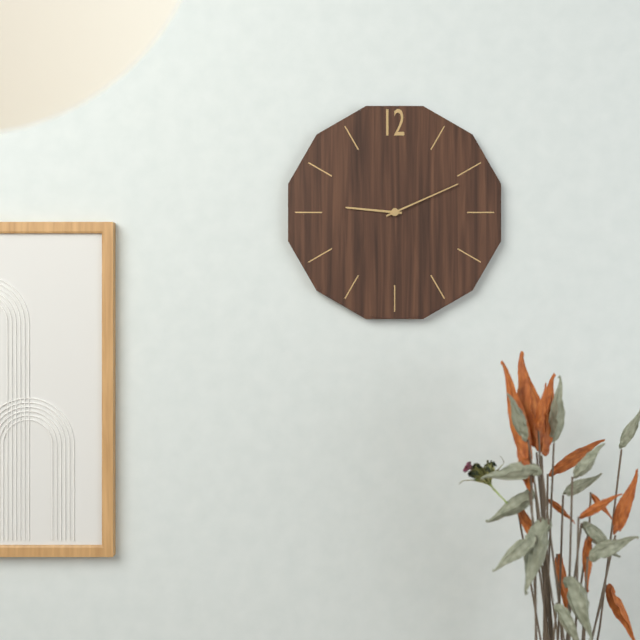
h=9 m=11
